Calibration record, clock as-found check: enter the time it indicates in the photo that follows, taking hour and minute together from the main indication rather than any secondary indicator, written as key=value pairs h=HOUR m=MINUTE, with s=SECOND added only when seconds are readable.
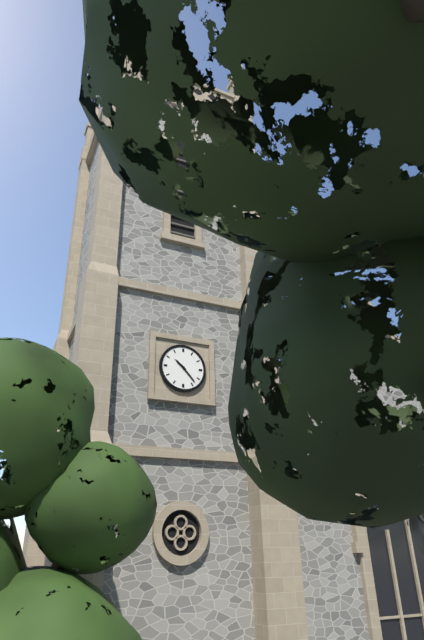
h=10 m=23
